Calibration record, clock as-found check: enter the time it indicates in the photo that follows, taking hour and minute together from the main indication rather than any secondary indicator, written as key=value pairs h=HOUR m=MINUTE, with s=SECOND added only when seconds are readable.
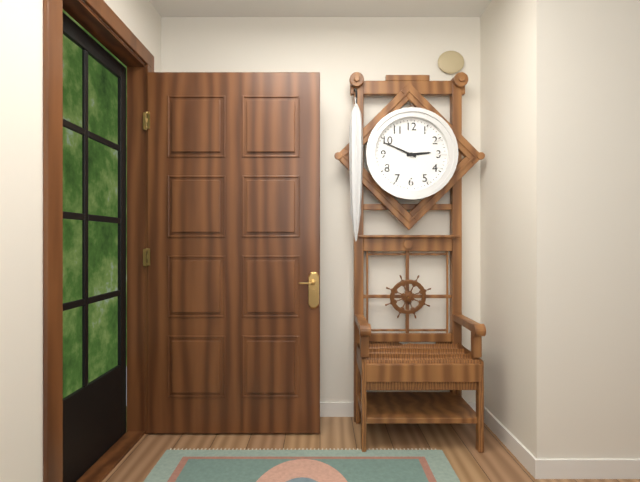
h=2 m=49
